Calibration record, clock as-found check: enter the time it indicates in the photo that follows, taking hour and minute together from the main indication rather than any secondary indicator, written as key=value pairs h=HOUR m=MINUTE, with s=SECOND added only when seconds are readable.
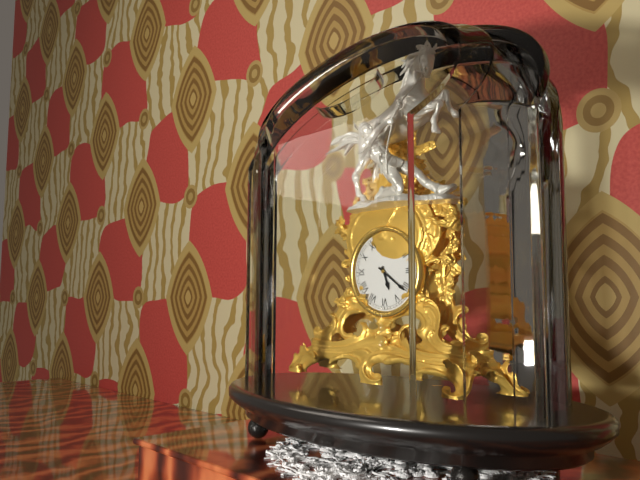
h=5 m=21
